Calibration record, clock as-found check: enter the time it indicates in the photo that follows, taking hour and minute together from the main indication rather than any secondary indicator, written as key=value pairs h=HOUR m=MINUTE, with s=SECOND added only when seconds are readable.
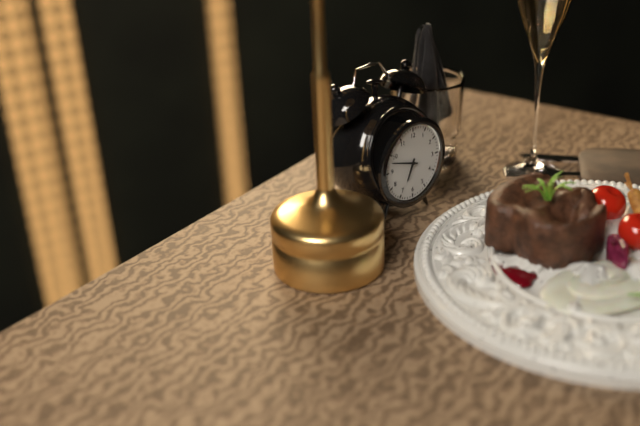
h=6 m=48
